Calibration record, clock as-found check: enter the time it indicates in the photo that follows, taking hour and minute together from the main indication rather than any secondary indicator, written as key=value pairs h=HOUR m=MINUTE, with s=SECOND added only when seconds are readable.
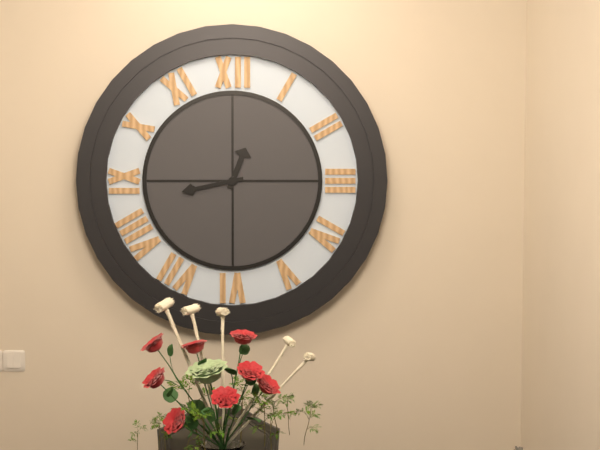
h=12 m=43
